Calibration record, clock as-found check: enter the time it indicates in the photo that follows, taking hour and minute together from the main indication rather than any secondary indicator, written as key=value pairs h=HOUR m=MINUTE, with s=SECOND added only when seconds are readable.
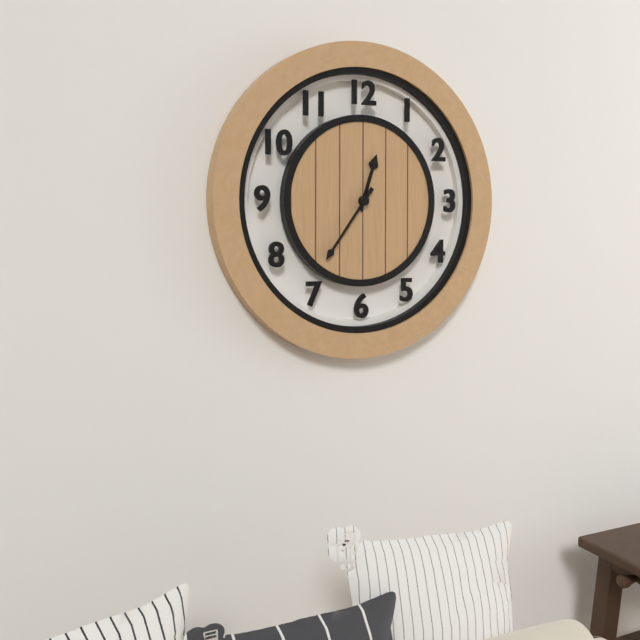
h=12 m=36
